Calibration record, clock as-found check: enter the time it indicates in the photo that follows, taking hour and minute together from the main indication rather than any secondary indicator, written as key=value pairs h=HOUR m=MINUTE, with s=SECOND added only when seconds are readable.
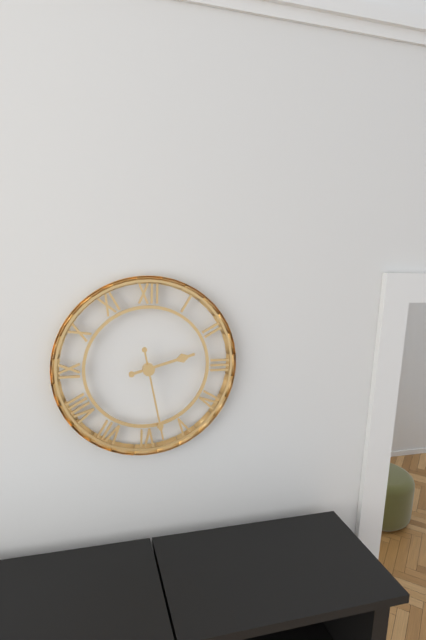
h=2 m=28
